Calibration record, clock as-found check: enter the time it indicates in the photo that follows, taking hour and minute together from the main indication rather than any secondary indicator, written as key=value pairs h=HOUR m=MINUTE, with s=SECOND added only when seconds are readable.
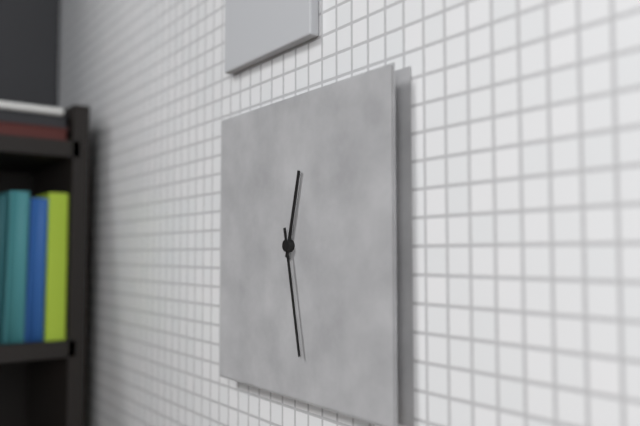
h=12 m=28
